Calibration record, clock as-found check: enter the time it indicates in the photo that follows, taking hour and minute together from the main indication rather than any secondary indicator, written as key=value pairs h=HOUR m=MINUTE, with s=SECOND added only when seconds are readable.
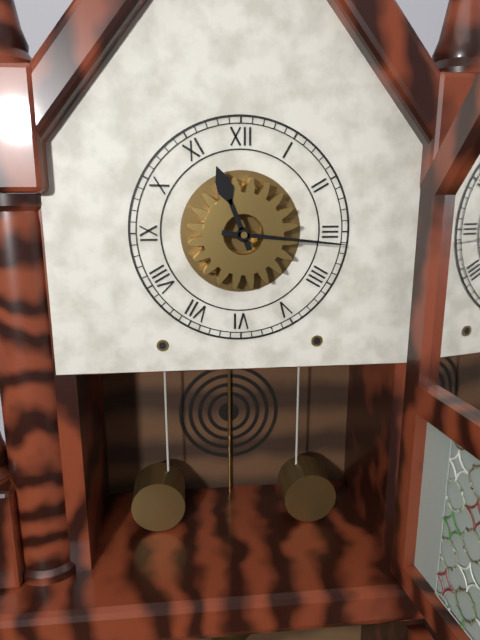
h=11 m=16
